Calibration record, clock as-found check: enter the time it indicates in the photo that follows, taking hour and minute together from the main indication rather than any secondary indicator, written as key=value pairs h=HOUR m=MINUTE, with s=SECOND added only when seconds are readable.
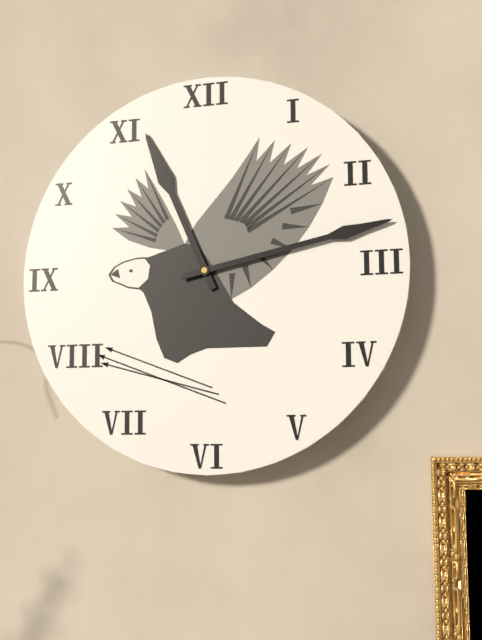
h=11 m=13
